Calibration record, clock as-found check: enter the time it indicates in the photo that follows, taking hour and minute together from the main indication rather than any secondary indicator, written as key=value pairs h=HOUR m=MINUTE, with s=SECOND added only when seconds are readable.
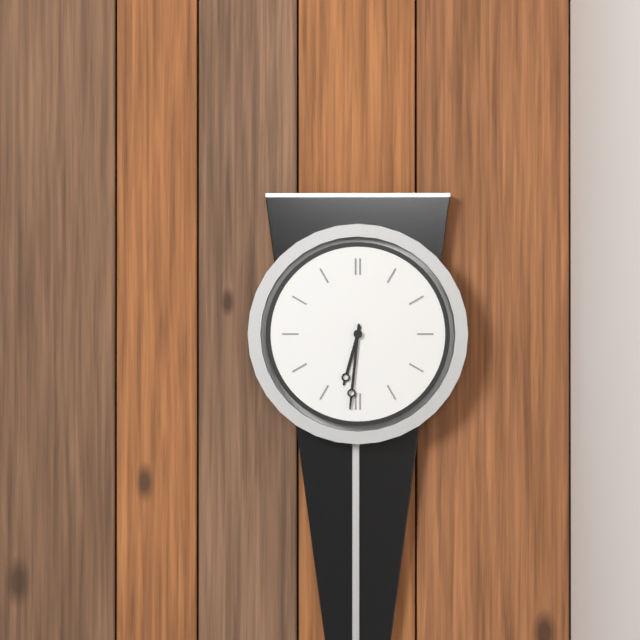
h=6 m=31
